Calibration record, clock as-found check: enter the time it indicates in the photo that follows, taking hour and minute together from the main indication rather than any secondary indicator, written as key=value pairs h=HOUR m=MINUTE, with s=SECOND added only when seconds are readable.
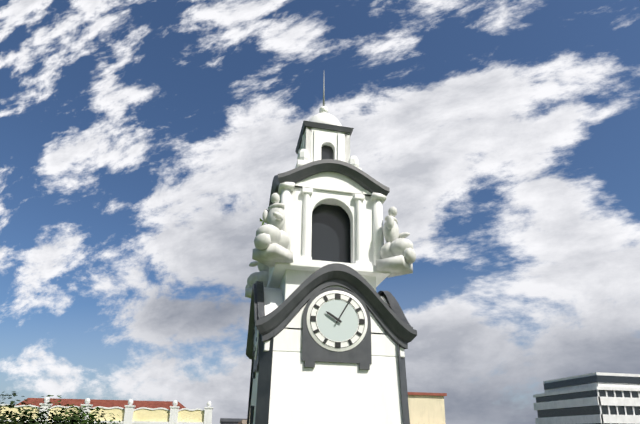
h=10 m=5
